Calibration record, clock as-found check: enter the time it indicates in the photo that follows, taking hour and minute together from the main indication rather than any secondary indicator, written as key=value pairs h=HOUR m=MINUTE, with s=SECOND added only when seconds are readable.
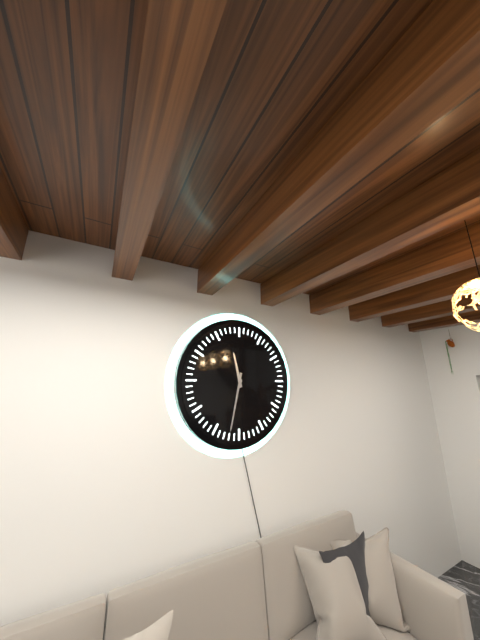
h=11 m=32
